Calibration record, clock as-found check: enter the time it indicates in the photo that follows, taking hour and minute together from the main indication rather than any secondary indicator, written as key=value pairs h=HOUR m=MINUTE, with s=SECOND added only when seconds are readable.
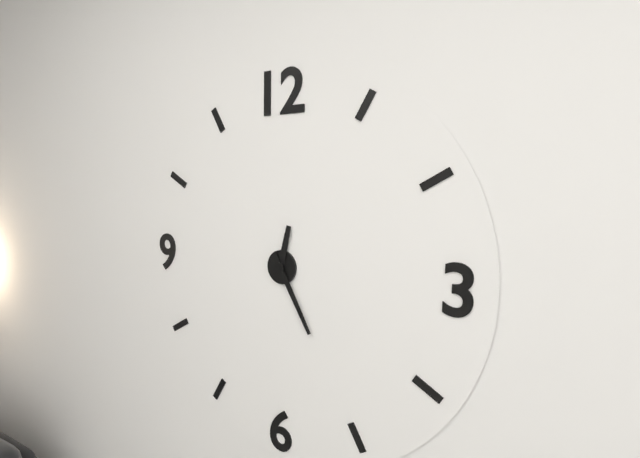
h=12 m=25
